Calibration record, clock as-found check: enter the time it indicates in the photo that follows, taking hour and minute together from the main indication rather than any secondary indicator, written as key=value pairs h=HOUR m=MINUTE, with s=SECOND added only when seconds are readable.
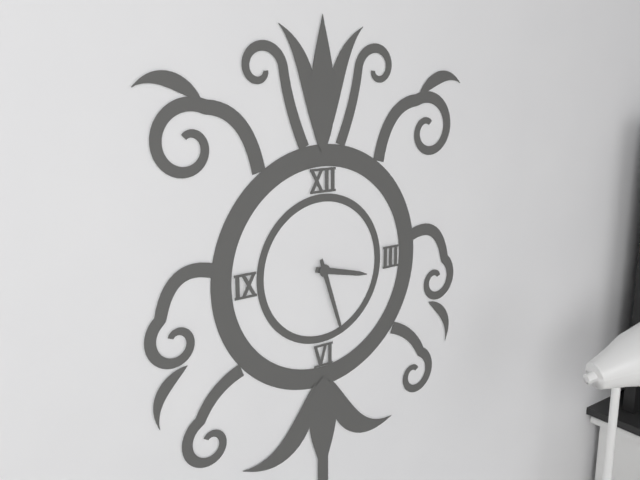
h=3 m=27
